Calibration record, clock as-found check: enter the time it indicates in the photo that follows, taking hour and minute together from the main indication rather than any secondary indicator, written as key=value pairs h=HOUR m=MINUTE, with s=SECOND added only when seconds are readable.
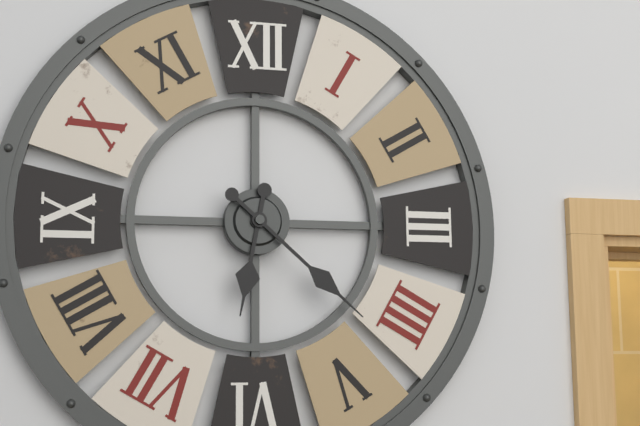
h=6 m=22
